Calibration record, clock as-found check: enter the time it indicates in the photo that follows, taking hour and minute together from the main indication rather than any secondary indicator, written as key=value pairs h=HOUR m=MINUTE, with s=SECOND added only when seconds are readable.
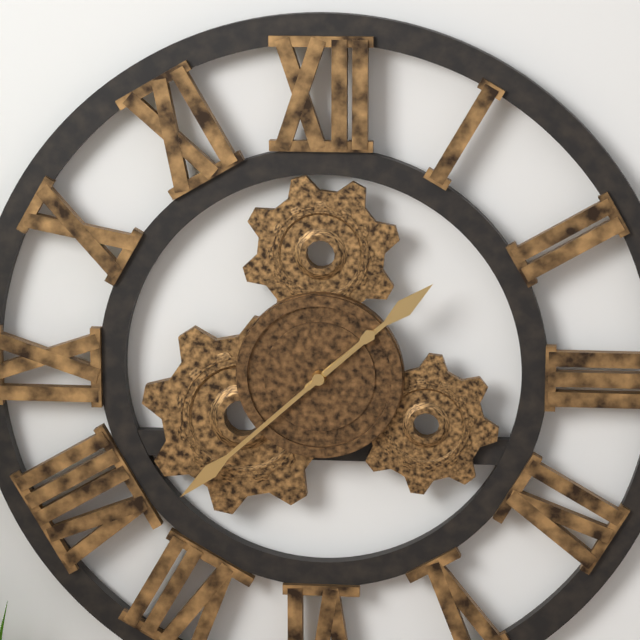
h=1 m=38
